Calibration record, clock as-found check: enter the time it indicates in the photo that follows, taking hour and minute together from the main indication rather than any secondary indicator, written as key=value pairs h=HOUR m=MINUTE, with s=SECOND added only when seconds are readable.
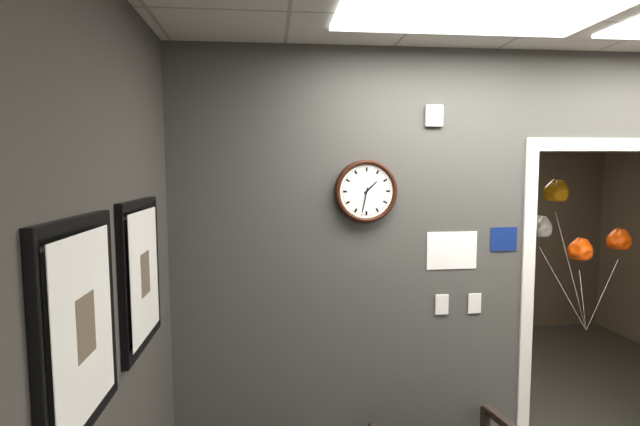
h=1 m=32
